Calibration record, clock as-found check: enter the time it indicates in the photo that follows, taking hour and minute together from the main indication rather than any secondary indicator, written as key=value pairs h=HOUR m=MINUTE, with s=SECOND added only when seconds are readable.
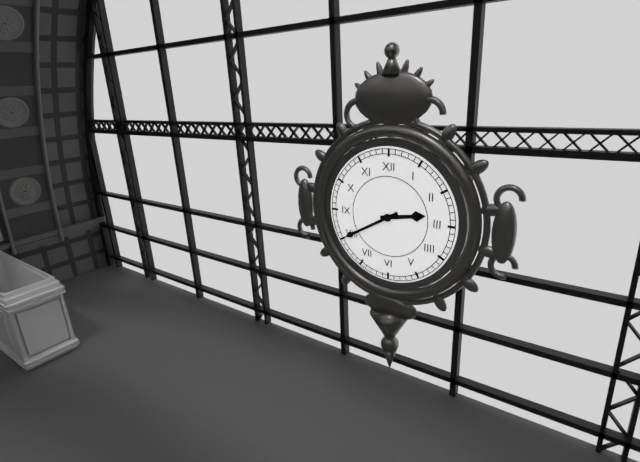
h=2 m=40
